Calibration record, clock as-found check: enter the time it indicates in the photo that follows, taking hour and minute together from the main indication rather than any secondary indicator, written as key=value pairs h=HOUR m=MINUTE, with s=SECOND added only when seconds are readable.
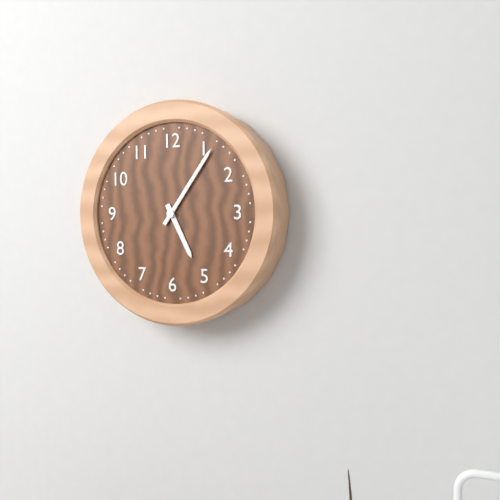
h=5 m=6
